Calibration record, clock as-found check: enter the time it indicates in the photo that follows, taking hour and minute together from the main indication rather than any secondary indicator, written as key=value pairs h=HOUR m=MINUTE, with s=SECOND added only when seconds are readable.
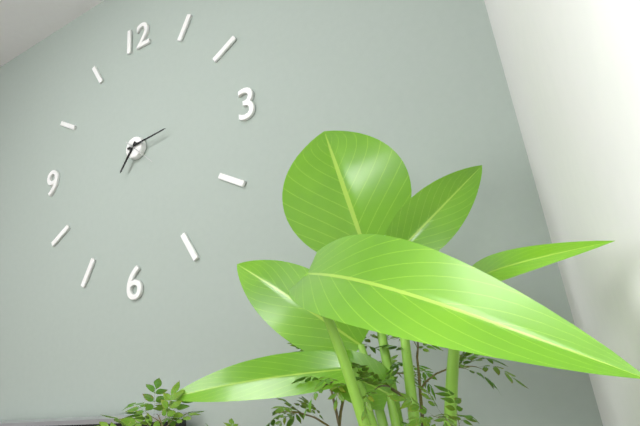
h=7 m=14
